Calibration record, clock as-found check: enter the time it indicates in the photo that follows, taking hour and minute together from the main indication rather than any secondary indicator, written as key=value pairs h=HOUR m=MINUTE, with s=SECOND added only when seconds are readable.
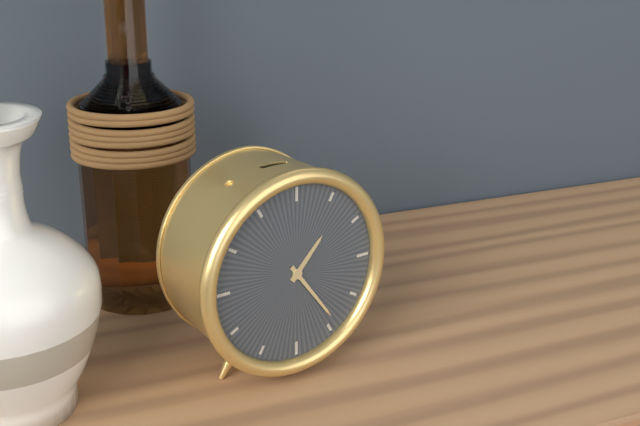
h=1 m=24
